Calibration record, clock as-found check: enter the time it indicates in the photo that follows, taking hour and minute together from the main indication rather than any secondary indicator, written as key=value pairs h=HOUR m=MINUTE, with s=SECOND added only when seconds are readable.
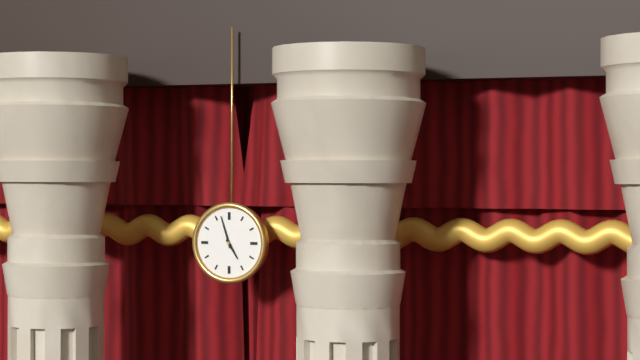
h=4 m=57
